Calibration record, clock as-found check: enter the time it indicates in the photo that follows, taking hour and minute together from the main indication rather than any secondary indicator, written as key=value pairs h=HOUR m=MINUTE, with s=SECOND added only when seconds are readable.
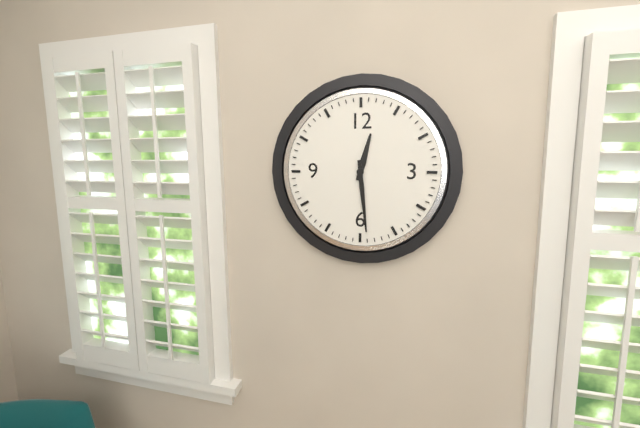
h=12 m=29
